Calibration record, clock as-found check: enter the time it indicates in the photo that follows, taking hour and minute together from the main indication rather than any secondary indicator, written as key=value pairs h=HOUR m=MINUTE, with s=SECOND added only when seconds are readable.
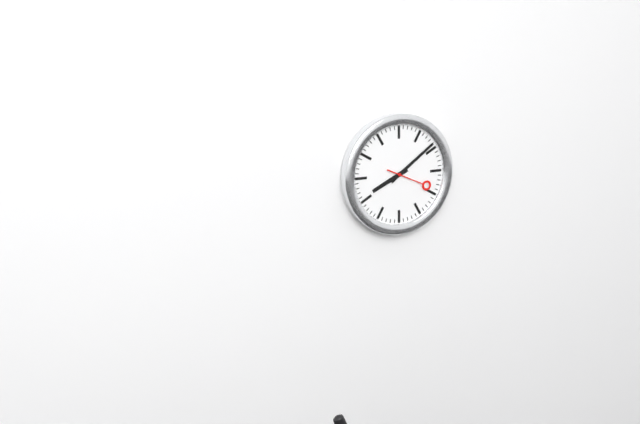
h=8 m=9
